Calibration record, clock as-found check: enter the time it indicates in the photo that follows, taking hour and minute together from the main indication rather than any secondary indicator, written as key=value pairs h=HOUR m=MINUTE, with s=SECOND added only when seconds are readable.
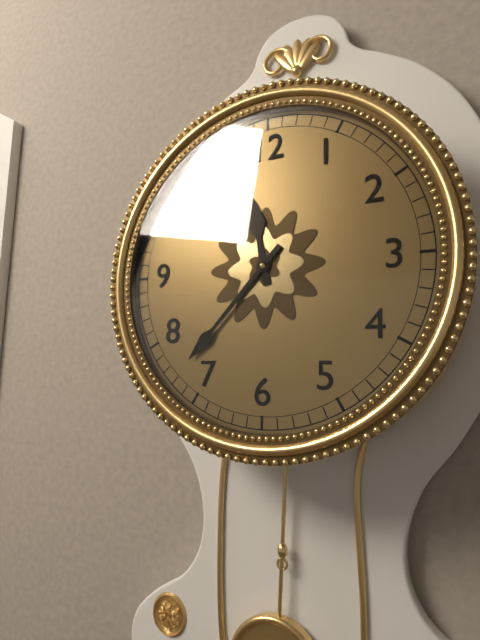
h=11 m=37
